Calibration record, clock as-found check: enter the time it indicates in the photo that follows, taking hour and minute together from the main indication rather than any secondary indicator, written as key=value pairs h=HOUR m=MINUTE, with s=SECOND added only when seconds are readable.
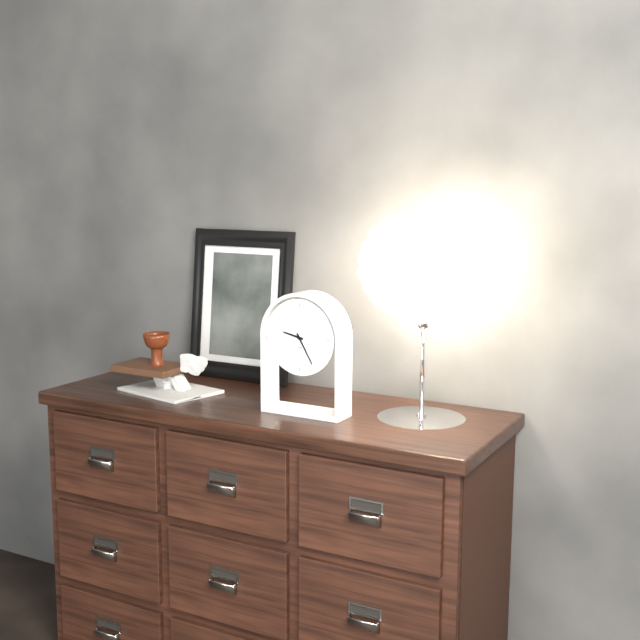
h=9 m=25
